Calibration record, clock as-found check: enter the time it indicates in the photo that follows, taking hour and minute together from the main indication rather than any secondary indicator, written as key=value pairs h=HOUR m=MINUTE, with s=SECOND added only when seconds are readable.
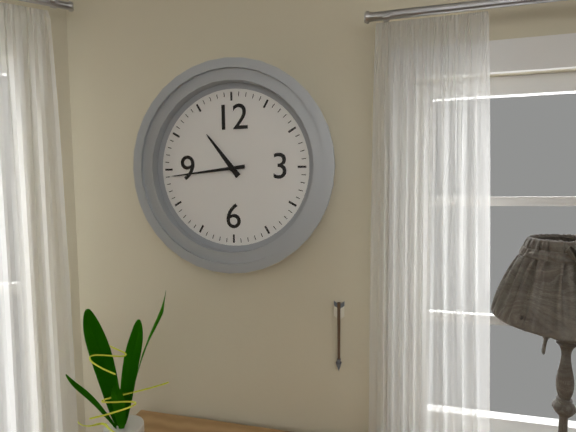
h=10 m=44
